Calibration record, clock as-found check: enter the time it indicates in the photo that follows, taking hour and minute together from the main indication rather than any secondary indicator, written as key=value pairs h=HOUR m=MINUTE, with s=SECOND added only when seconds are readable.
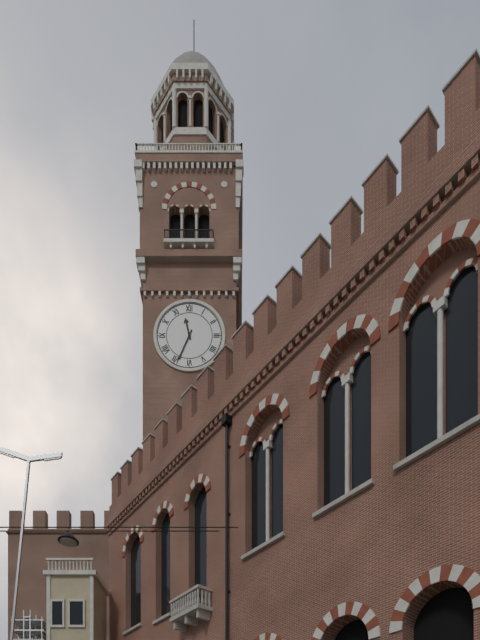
h=11 m=34
